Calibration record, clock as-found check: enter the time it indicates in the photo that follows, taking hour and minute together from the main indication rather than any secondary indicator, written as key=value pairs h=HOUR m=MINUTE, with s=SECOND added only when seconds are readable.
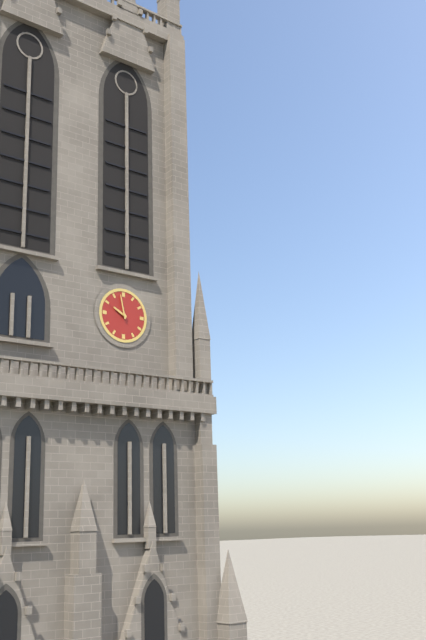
h=9 m=58
